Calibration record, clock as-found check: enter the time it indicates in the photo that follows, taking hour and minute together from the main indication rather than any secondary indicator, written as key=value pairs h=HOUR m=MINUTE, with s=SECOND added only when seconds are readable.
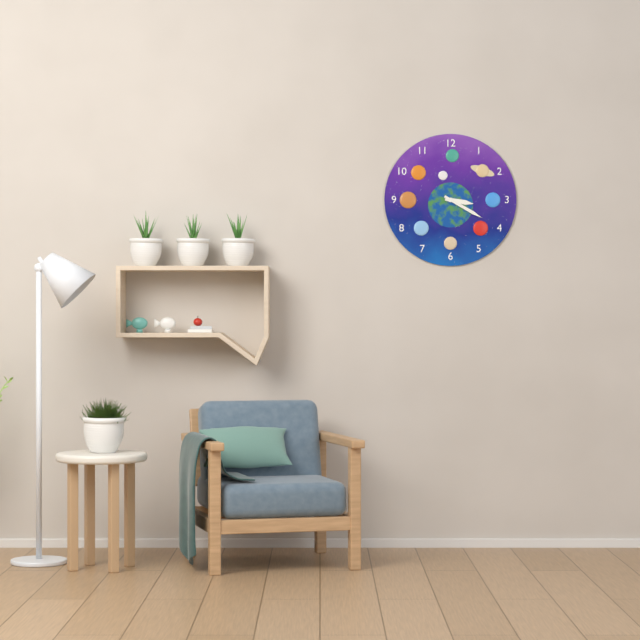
h=3 m=20
